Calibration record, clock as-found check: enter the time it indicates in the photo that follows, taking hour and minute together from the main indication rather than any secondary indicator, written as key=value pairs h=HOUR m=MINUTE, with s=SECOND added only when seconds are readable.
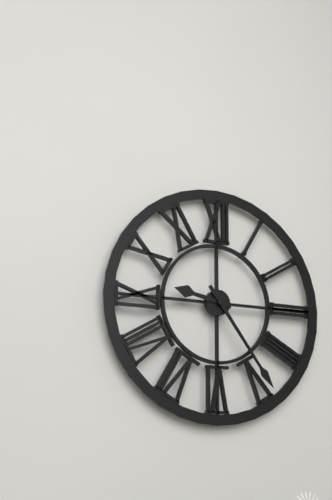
h=9 m=24
